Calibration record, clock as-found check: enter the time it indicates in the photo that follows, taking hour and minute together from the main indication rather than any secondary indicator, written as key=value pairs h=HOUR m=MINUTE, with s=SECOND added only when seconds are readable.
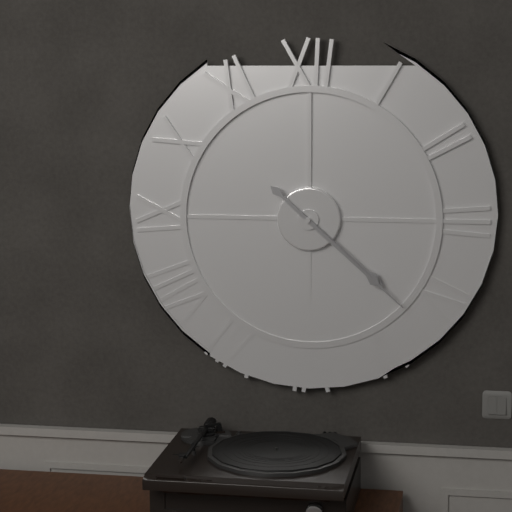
h=4 m=22
